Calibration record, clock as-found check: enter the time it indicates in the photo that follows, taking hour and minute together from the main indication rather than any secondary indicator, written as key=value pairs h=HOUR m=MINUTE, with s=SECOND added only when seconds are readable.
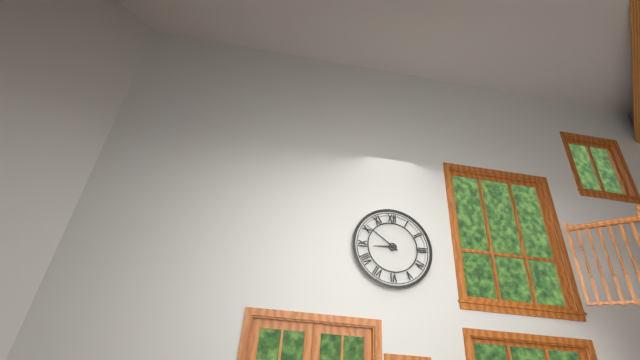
h=8 m=51
